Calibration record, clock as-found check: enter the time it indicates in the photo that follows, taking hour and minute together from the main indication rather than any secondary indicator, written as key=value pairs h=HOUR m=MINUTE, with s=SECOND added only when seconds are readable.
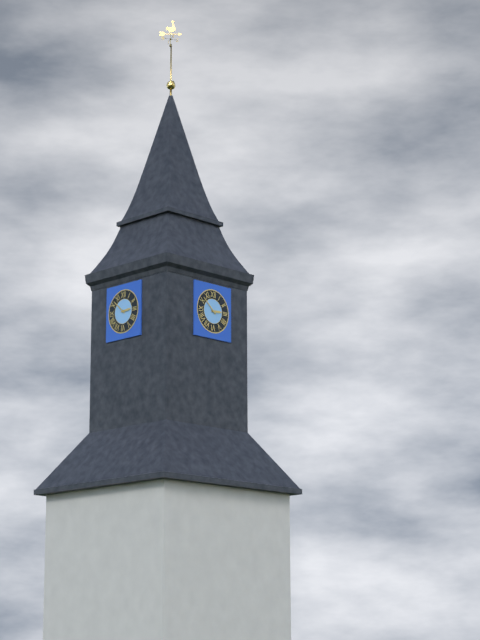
h=2 m=52
